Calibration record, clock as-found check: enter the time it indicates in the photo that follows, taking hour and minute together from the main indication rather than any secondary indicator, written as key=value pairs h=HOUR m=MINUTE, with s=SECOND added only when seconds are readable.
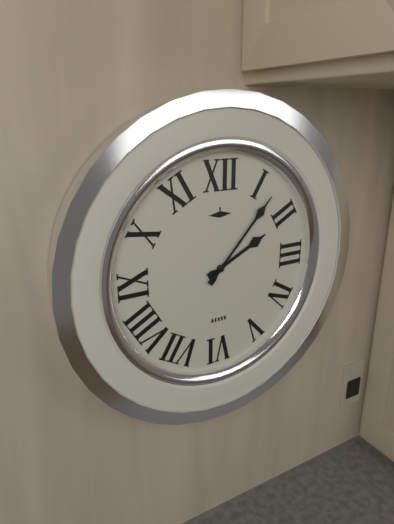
h=2 m=7
